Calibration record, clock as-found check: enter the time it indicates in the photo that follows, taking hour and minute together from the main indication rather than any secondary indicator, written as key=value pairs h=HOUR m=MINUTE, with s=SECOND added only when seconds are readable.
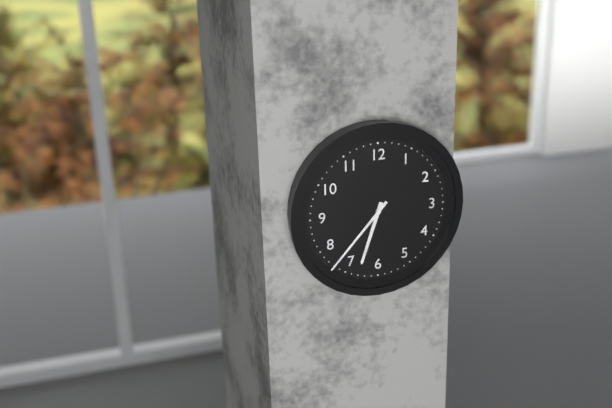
h=6 m=37
